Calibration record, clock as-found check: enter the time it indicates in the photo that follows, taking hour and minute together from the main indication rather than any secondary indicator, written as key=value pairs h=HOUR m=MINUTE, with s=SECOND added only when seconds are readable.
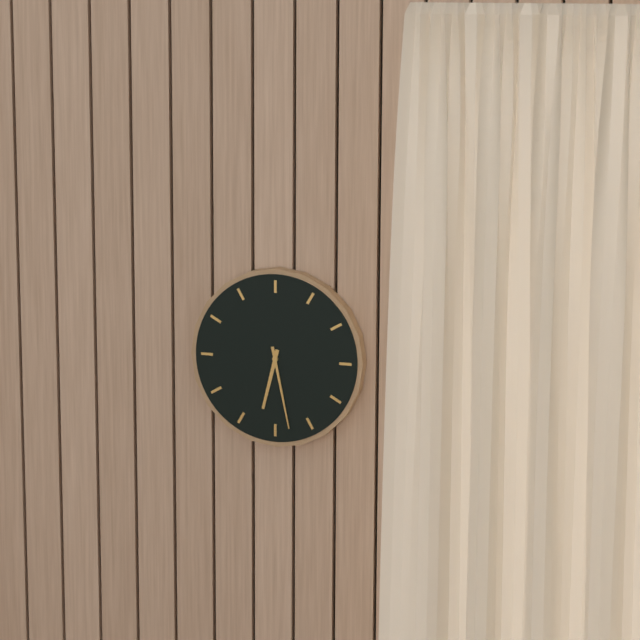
h=6 m=28
